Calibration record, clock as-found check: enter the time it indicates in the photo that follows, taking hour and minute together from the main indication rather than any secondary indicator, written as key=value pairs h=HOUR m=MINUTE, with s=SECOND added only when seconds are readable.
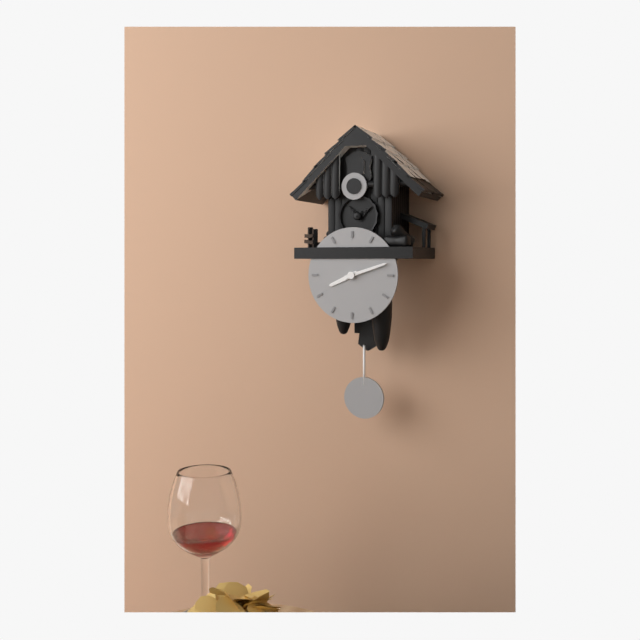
h=8 m=12
